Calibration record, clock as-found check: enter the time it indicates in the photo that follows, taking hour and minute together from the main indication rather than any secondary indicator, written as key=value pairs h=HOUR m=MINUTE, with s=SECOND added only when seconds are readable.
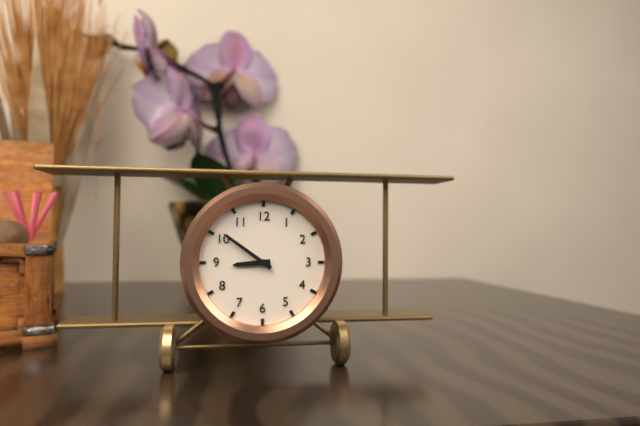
h=8 m=51
